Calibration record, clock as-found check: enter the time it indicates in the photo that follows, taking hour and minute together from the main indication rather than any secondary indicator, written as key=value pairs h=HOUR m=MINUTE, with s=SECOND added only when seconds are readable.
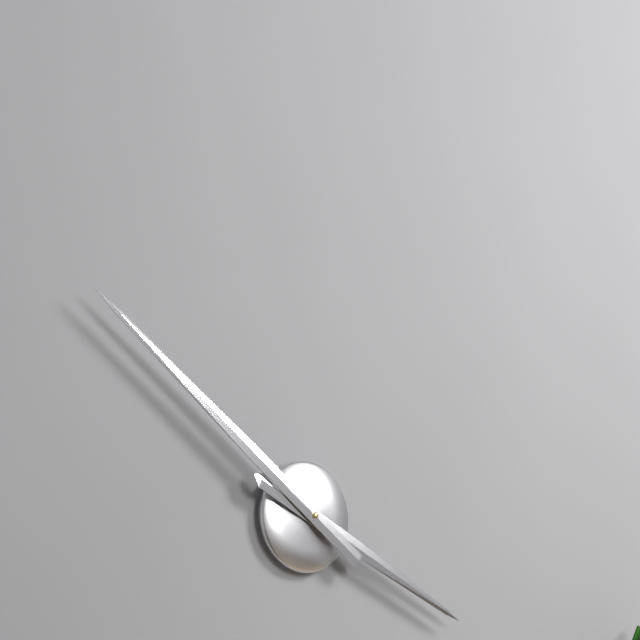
h=3 m=51
